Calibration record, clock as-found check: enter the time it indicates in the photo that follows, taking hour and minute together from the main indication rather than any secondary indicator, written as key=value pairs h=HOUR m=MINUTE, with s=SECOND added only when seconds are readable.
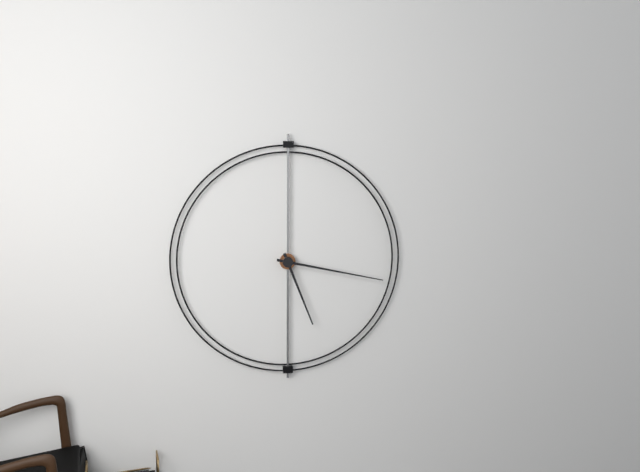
h=5 m=17
